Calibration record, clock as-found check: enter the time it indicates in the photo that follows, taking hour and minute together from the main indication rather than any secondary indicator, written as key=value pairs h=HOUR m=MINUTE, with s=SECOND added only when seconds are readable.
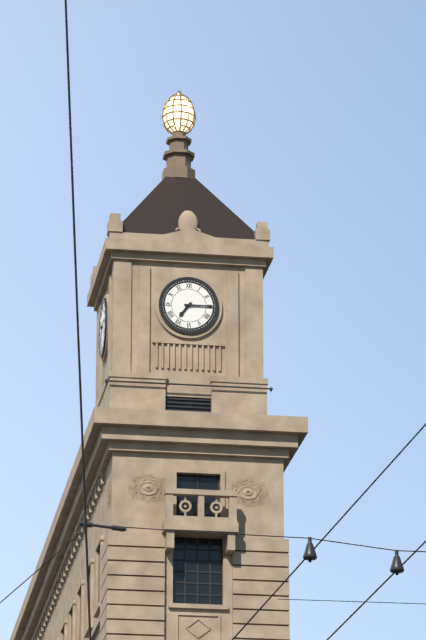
h=7 m=15
